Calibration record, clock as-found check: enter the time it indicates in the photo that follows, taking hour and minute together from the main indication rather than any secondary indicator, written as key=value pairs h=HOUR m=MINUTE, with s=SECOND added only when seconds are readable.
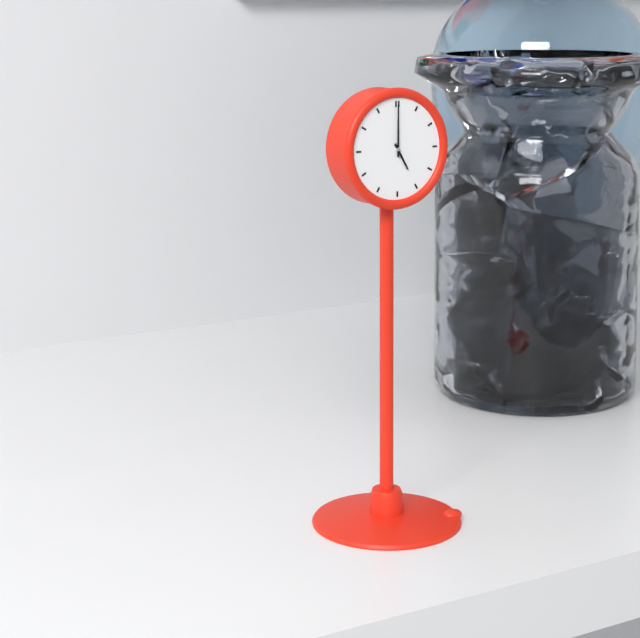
h=5 m=0
